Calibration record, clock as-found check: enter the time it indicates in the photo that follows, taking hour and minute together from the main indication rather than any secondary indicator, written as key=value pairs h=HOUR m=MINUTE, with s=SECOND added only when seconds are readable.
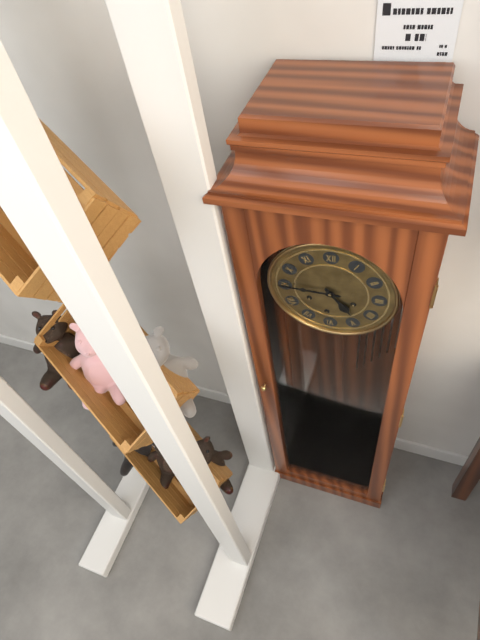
h=4 m=45
